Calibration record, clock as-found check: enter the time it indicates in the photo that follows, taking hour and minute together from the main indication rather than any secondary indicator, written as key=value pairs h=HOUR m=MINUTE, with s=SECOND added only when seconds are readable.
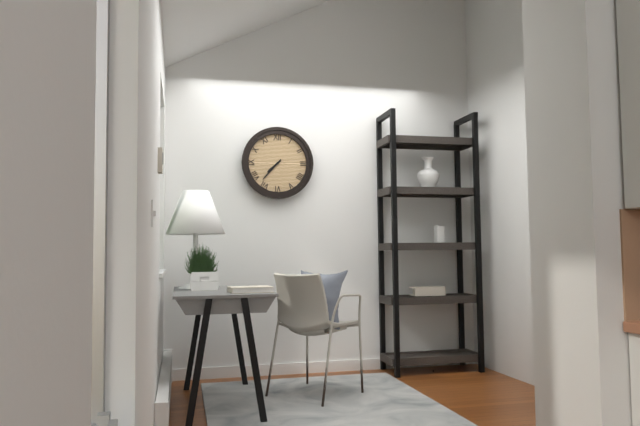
h=7 m=37
